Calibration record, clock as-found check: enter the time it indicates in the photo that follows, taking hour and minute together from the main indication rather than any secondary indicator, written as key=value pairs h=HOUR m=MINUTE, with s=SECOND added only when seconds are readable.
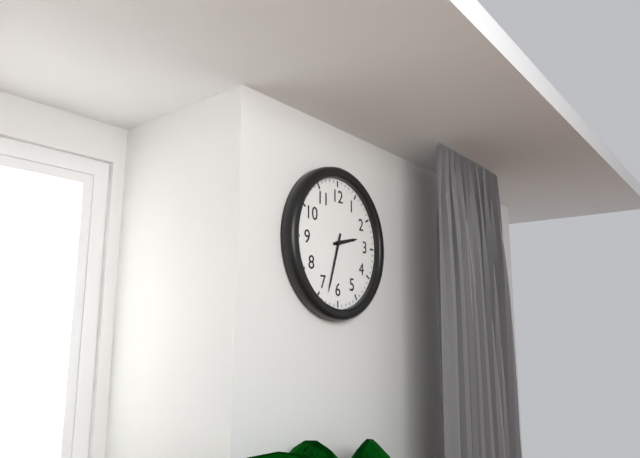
h=2 m=33
